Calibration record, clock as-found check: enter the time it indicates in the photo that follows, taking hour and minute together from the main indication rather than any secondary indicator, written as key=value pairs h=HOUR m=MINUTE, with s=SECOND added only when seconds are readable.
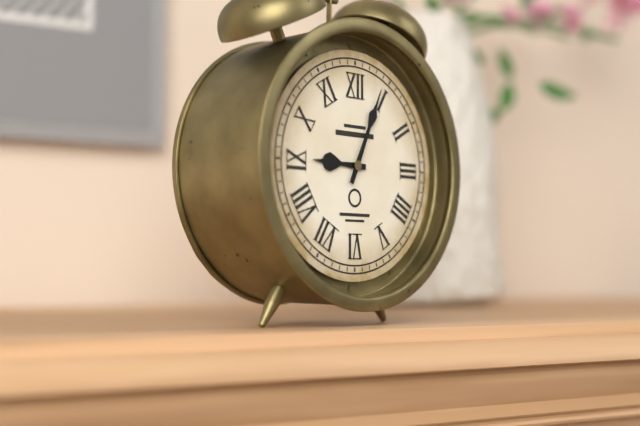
h=9 m=4
